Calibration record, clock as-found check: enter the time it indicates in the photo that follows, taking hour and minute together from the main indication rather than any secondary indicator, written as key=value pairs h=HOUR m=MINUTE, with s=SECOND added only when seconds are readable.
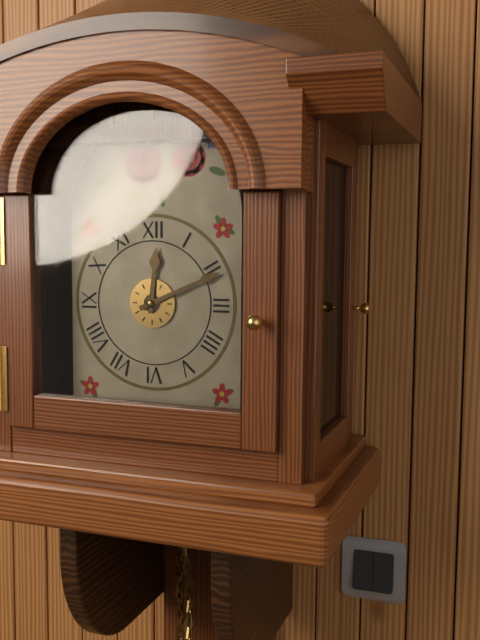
h=12 m=11
